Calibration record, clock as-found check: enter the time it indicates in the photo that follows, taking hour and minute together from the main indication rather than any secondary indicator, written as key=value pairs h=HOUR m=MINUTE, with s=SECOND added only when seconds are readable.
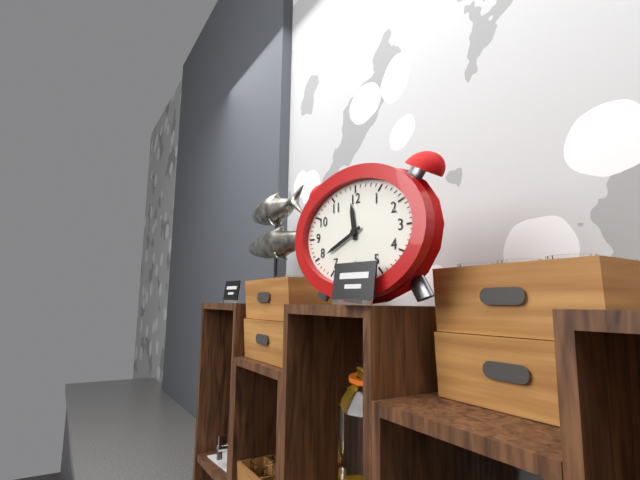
h=11 m=41
